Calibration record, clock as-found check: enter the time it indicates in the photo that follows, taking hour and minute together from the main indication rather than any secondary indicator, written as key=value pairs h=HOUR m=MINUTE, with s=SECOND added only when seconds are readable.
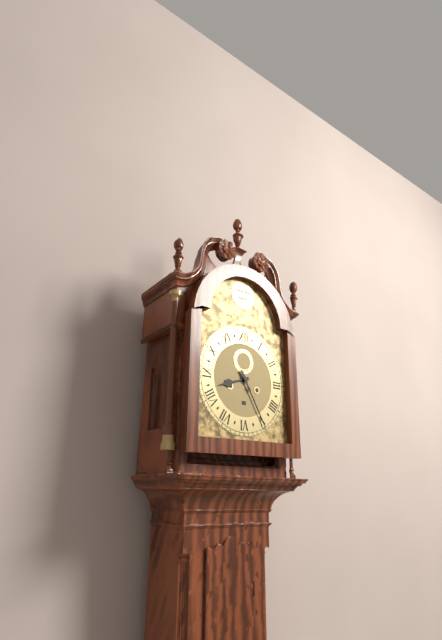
h=8 m=25
